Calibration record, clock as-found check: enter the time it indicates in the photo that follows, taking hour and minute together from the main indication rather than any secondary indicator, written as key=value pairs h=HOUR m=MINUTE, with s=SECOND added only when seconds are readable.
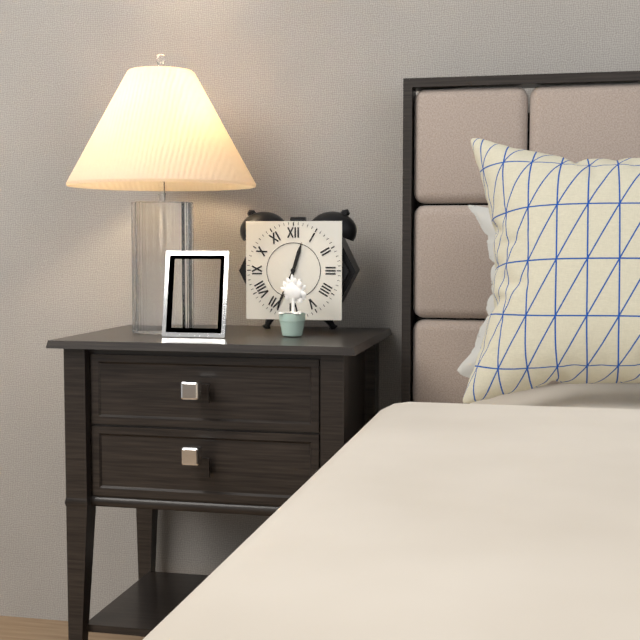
h=12 m=34
